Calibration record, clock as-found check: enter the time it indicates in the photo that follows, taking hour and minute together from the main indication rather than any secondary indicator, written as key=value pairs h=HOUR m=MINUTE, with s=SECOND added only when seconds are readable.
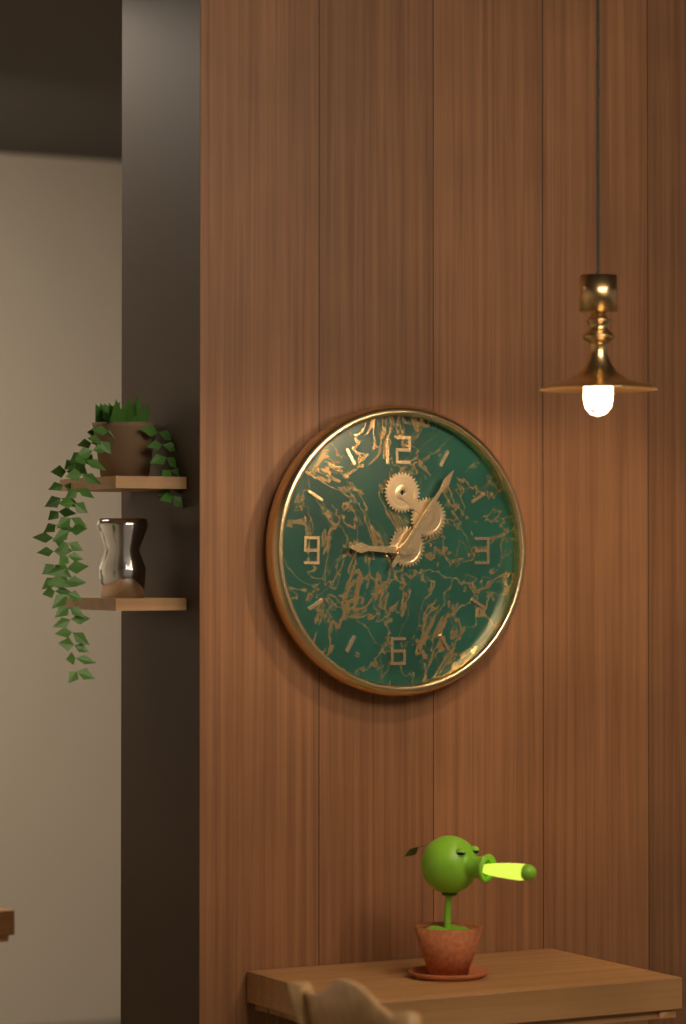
h=9 m=6
